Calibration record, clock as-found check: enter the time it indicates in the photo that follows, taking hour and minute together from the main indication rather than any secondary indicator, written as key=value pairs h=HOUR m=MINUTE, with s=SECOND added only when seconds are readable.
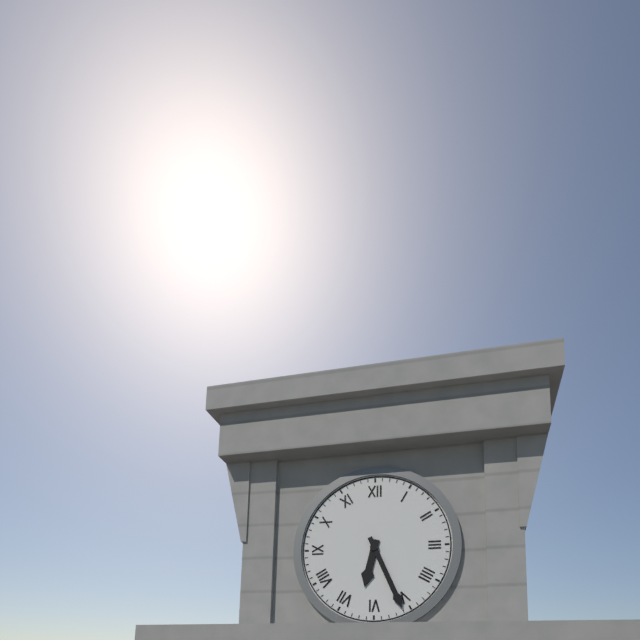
h=6 m=26
